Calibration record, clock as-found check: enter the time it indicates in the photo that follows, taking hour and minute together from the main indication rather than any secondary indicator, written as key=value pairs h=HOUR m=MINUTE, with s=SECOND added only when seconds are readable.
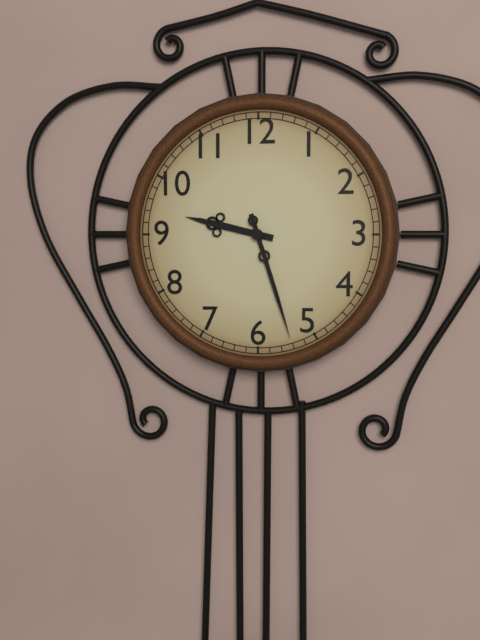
h=9 m=27
